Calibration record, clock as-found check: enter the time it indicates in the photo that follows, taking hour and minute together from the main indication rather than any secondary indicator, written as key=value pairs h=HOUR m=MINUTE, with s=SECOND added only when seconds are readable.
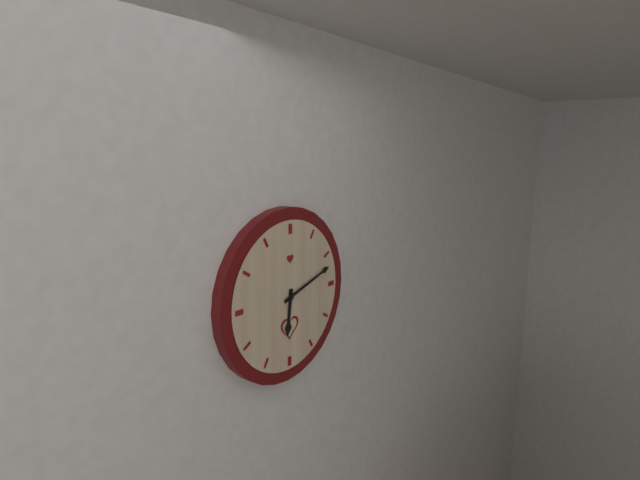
h=6 m=12
